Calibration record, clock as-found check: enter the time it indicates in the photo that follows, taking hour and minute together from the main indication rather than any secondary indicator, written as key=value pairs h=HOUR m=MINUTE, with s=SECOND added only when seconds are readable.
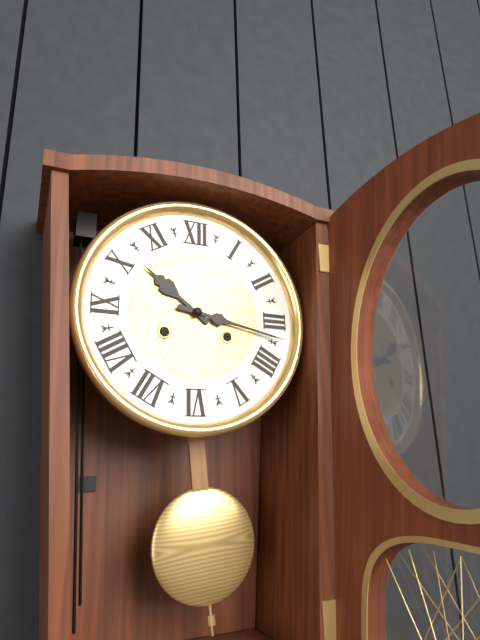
h=10 m=17
